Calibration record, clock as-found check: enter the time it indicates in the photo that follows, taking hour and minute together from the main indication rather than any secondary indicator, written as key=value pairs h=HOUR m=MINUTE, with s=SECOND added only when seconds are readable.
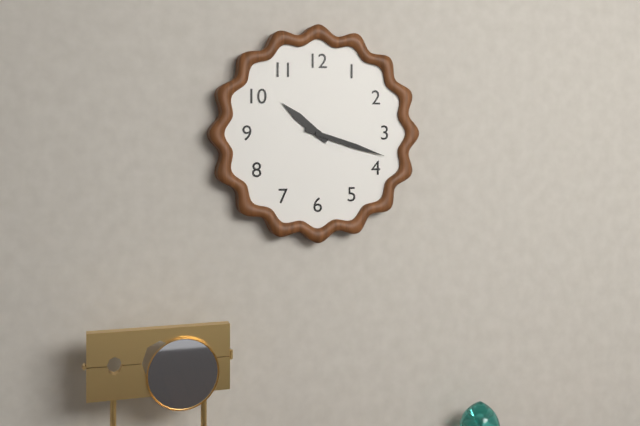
h=10 m=18
